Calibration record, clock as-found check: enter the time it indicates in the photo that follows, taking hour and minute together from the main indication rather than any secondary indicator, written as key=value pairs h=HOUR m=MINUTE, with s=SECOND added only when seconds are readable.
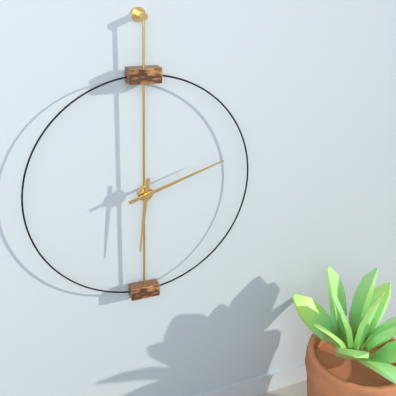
h=6 m=12
